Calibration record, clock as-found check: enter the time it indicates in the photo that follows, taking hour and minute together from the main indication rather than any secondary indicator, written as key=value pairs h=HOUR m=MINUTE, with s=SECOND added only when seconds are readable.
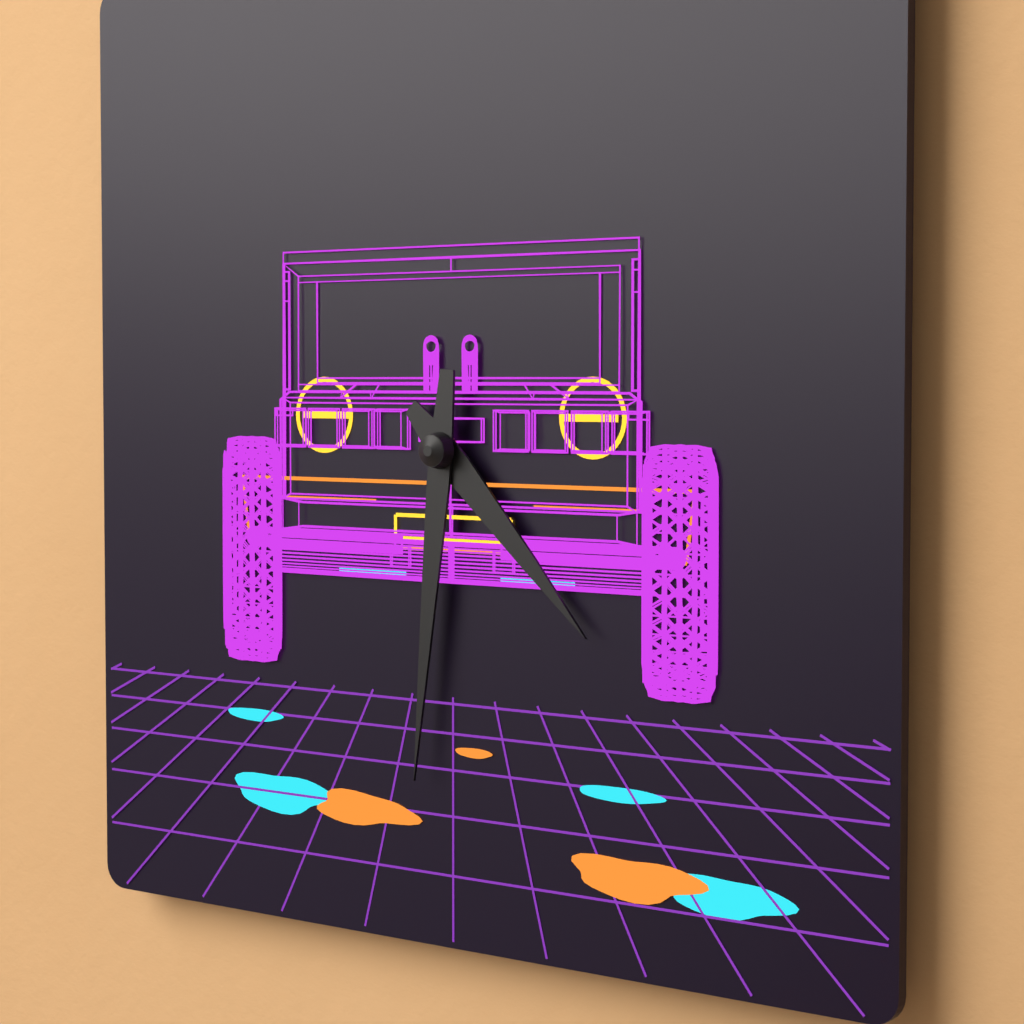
h=4 m=31
